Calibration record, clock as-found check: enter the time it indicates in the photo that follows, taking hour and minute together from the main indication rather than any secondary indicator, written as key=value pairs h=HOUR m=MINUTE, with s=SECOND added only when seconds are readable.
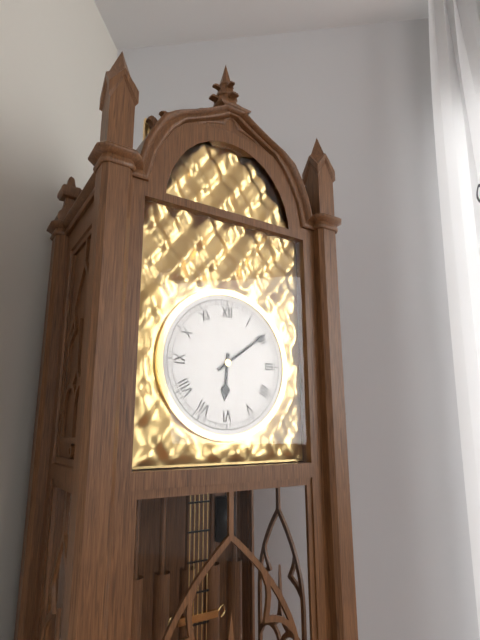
h=6 m=9
